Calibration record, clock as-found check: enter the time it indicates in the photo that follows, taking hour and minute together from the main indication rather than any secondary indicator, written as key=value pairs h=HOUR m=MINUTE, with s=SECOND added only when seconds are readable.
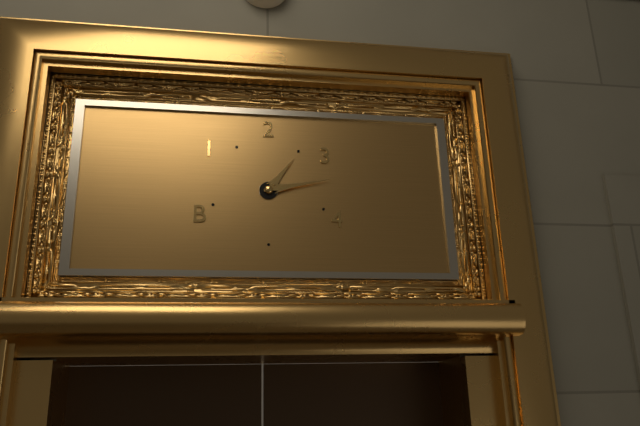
h=1 m=13
